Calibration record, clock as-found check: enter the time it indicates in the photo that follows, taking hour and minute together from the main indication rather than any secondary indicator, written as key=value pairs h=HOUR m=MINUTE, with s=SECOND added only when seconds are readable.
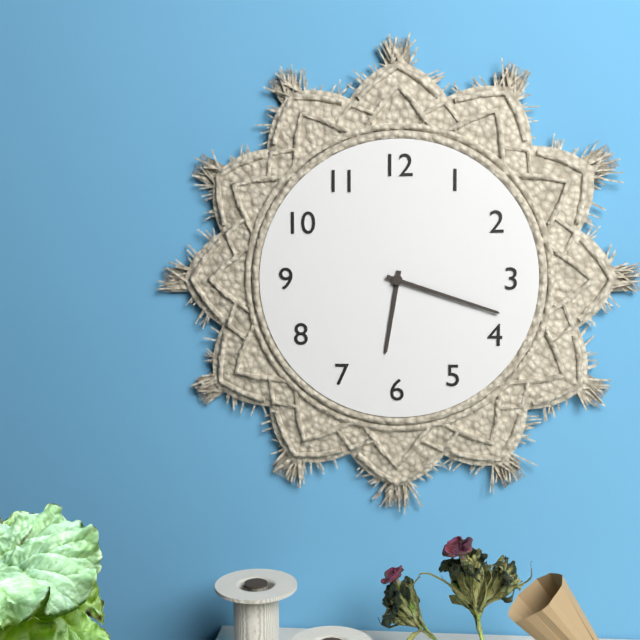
h=6 m=18
